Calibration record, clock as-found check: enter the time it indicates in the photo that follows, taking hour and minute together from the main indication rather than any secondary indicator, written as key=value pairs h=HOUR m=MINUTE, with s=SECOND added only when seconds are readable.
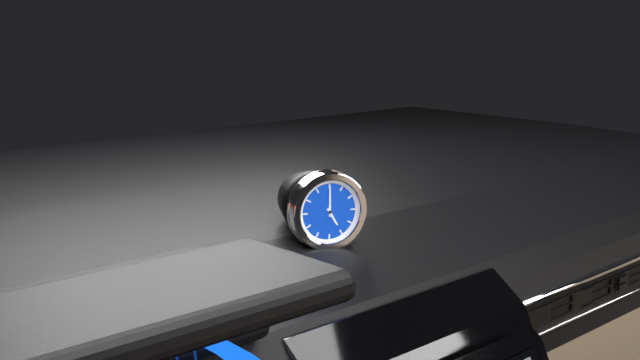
h=5 m=0
